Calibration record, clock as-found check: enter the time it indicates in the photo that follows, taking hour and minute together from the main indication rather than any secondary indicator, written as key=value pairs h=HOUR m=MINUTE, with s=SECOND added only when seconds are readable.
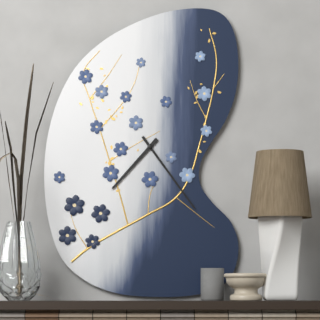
h=7 m=24
